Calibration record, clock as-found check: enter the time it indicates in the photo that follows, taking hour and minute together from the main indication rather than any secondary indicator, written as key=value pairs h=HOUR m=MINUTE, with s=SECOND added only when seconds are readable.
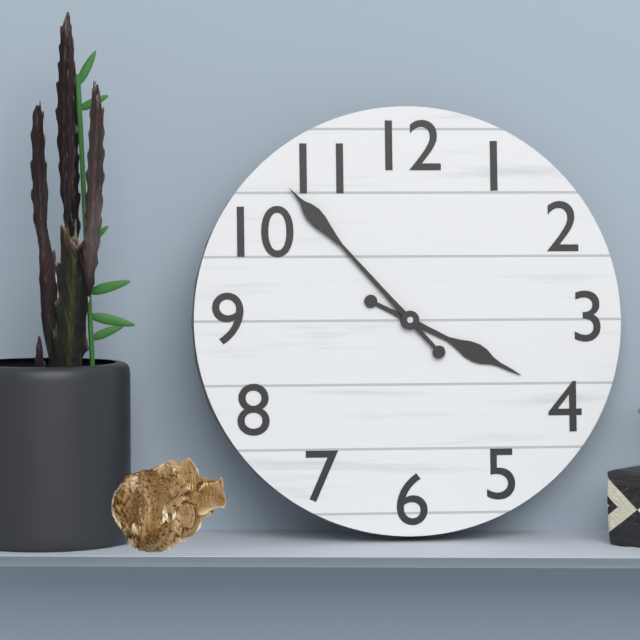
h=3 m=53
